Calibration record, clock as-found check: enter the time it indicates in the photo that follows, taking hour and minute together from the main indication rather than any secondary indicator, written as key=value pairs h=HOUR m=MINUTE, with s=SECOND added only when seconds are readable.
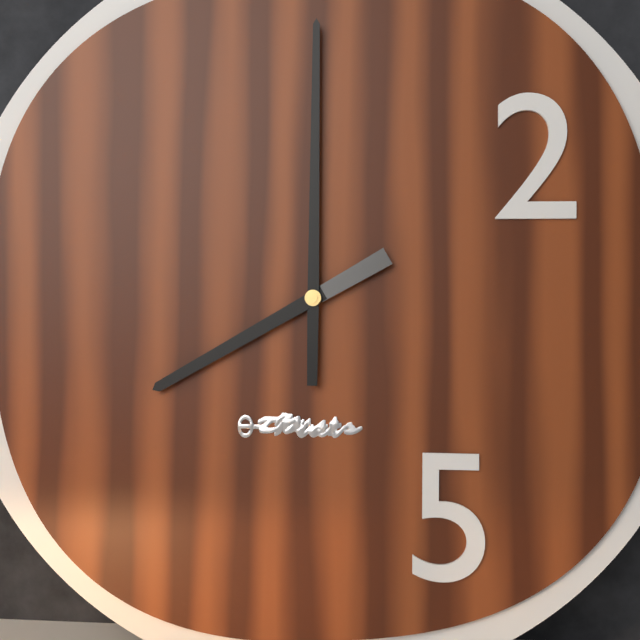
h=8 m=0
